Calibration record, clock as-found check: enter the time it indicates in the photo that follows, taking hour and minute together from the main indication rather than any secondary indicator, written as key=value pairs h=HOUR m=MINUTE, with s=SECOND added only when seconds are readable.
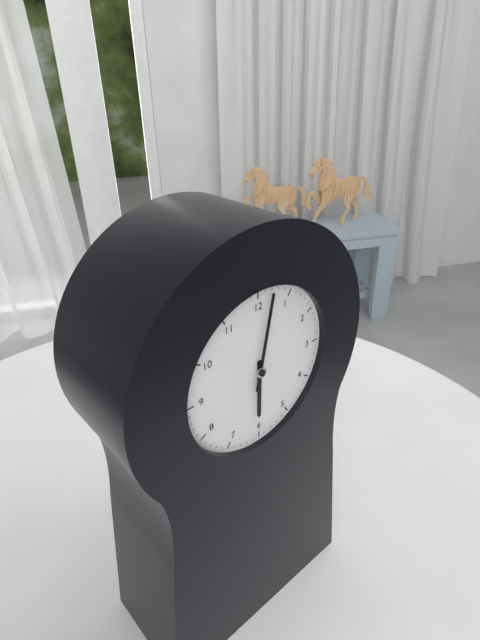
h=6 m=2
